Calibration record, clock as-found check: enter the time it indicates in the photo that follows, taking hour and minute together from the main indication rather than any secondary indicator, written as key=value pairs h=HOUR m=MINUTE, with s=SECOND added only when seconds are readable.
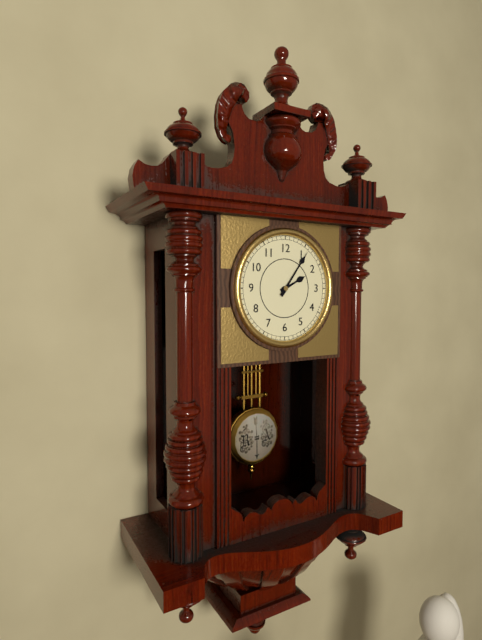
h=2 m=6
